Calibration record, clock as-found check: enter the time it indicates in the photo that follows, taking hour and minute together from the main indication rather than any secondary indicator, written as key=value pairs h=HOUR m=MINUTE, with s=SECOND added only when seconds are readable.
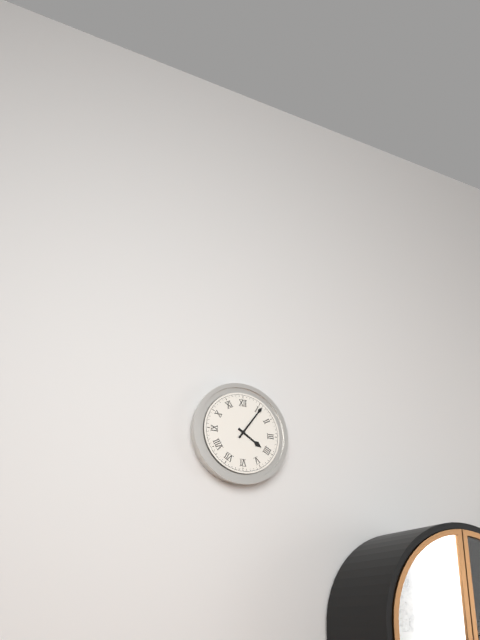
h=4 m=6
